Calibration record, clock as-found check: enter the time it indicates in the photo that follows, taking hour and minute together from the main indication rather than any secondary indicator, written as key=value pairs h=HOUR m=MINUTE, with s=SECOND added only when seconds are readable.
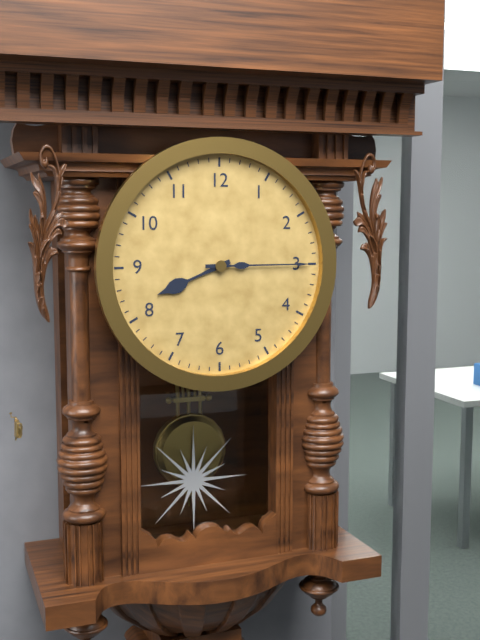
h=8 m=15
